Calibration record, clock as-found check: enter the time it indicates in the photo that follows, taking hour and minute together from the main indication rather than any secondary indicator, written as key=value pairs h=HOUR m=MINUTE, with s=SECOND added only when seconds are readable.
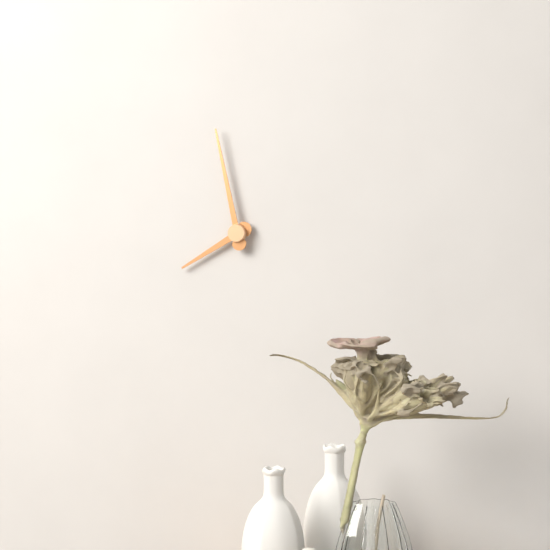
h=7 m=58
